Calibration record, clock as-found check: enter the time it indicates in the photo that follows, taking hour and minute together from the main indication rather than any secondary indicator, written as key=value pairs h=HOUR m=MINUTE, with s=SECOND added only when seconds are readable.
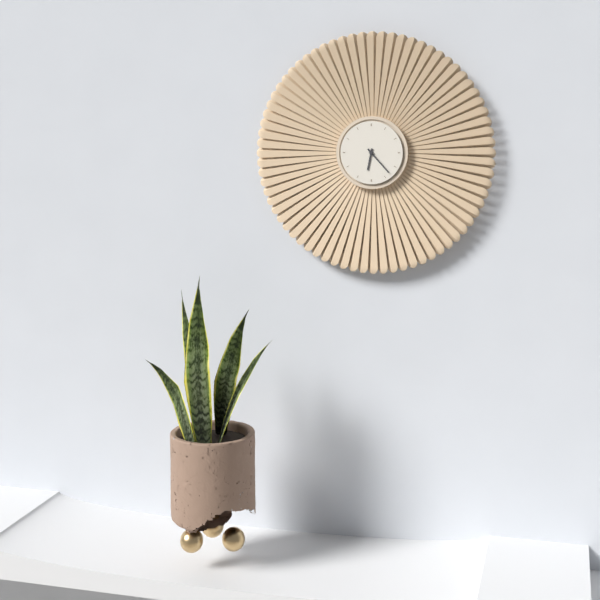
h=6 m=23
